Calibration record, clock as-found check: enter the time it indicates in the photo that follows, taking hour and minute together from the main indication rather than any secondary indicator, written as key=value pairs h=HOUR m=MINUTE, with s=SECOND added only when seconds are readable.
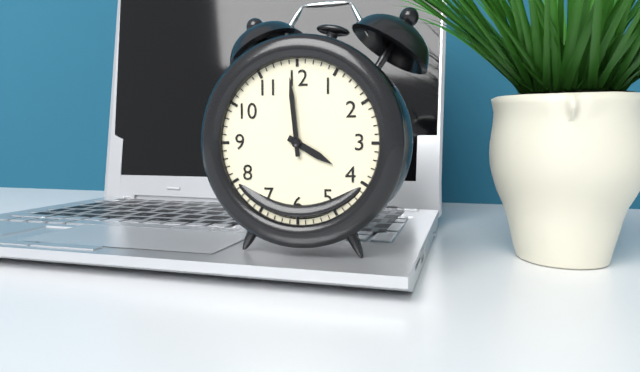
h=3 m=59
